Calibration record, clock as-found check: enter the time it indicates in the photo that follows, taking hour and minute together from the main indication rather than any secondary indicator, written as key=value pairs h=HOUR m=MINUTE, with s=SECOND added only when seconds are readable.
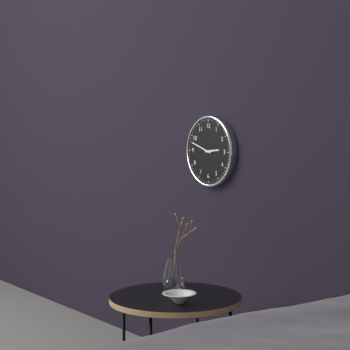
h=2 m=48
